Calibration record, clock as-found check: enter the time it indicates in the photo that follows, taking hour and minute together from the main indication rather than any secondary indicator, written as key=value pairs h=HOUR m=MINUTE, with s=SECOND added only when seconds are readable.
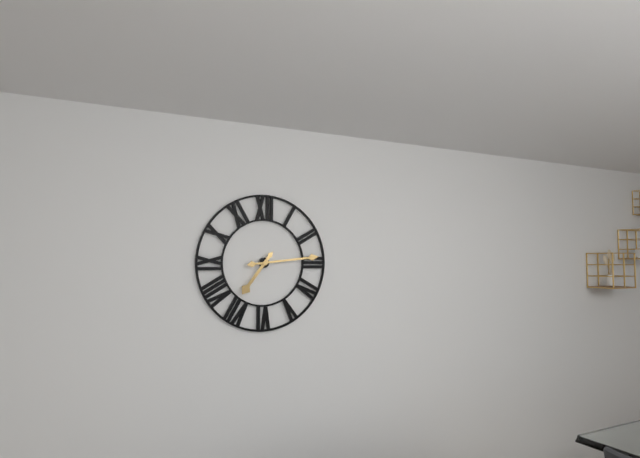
h=7 m=14
